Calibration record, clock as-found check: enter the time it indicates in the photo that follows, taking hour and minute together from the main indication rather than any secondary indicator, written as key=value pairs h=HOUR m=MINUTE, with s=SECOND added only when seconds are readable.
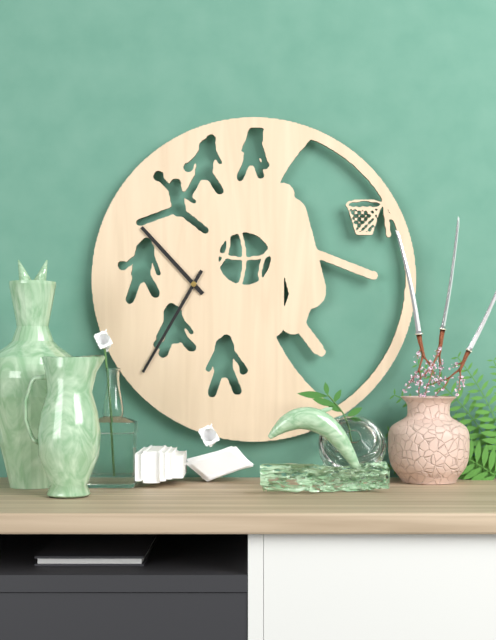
h=10 m=35
